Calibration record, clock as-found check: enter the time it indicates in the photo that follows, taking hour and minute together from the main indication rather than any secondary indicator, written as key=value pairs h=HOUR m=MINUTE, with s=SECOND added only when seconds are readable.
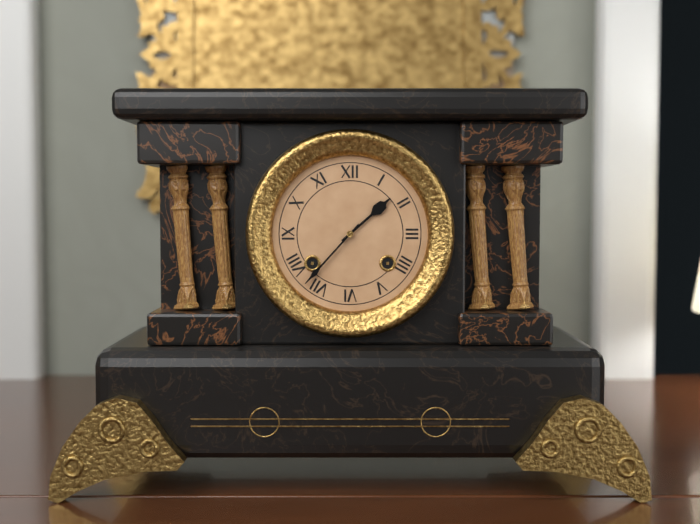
h=1 m=37
